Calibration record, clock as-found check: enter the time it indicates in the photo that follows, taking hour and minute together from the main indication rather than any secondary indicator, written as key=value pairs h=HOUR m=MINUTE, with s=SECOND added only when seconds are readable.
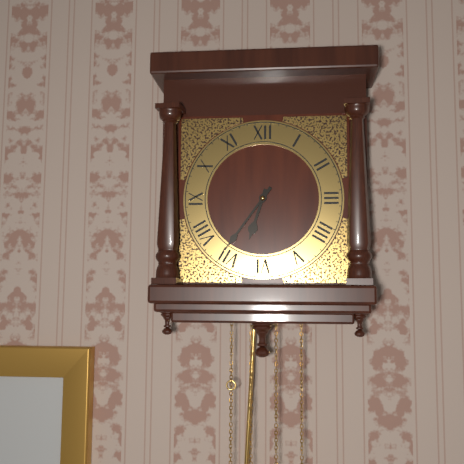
h=6 m=36
